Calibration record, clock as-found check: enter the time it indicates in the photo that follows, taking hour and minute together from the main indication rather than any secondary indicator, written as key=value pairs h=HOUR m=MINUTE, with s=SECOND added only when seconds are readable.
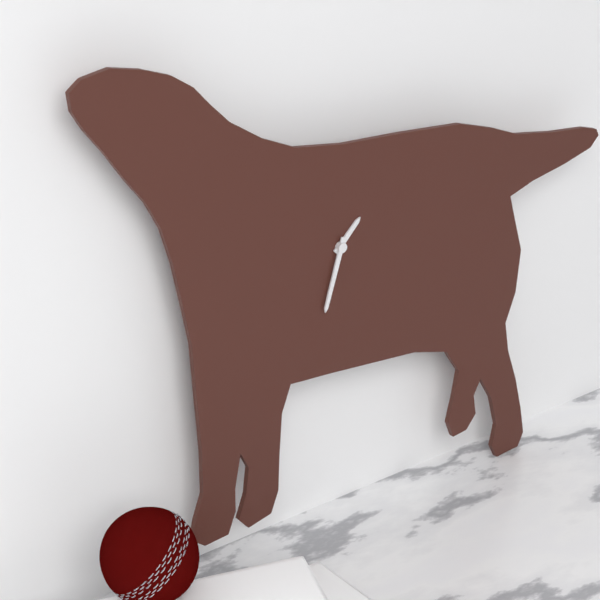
h=1 m=33
